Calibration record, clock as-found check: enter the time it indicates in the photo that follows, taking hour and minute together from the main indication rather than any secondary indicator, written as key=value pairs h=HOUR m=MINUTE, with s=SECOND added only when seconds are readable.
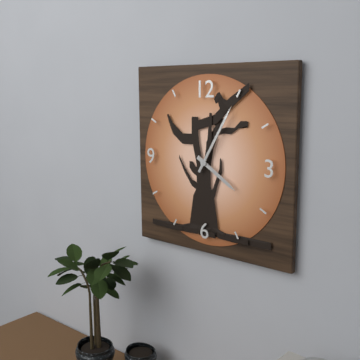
h=4 m=5
